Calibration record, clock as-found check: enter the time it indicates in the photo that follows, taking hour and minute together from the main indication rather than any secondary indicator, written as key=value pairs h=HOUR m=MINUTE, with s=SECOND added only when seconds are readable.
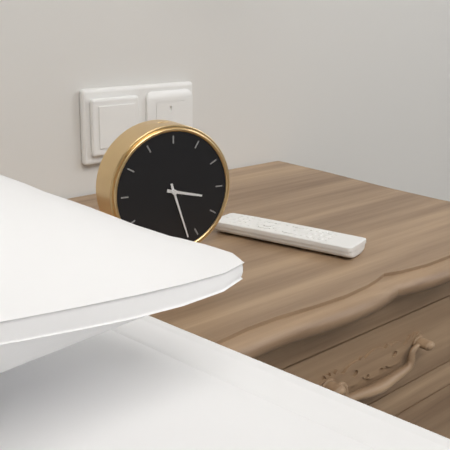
h=3 m=27
